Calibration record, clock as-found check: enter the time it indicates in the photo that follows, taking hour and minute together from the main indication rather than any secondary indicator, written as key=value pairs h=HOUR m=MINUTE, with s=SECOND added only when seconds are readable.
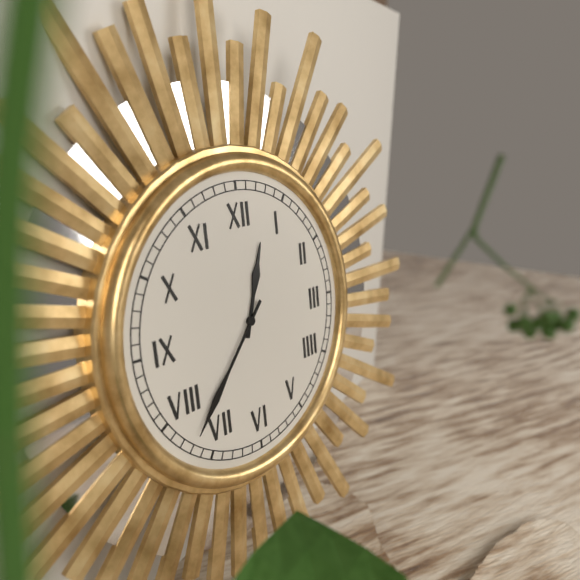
h=12 m=37
